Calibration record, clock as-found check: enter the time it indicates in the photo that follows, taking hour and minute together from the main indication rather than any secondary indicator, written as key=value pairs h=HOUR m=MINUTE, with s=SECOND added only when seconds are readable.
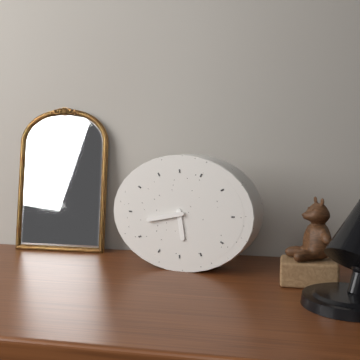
h=5 m=43
